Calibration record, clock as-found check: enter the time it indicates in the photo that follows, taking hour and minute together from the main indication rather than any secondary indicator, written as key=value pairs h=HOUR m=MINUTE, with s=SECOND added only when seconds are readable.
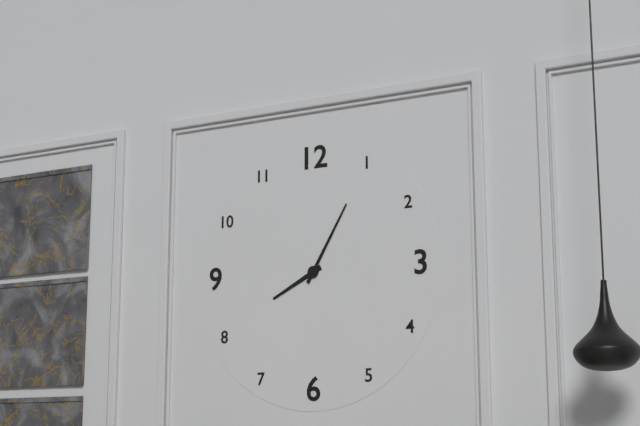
h=8 m=5
